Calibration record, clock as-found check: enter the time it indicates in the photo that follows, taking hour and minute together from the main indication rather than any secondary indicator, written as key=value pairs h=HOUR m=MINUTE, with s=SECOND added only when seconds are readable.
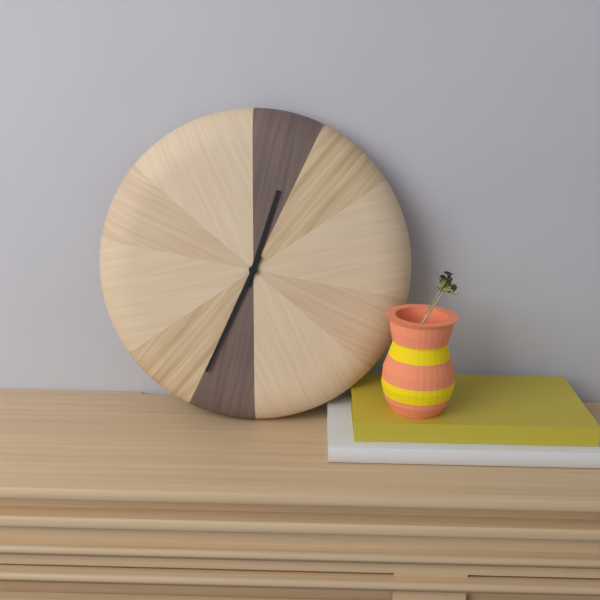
h=12 m=34
